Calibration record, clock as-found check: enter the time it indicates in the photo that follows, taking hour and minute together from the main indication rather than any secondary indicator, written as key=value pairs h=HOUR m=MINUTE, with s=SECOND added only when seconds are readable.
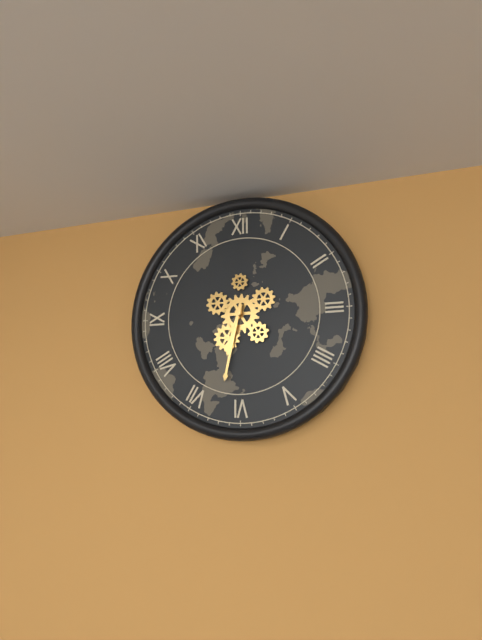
h=6 m=32
